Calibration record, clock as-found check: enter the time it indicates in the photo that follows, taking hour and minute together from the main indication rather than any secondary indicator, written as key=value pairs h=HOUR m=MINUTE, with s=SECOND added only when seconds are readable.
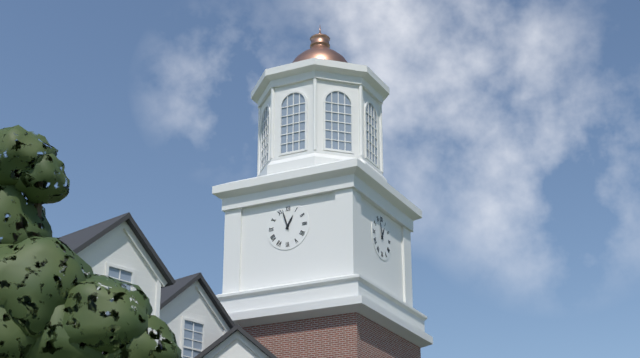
h=12 m=57
